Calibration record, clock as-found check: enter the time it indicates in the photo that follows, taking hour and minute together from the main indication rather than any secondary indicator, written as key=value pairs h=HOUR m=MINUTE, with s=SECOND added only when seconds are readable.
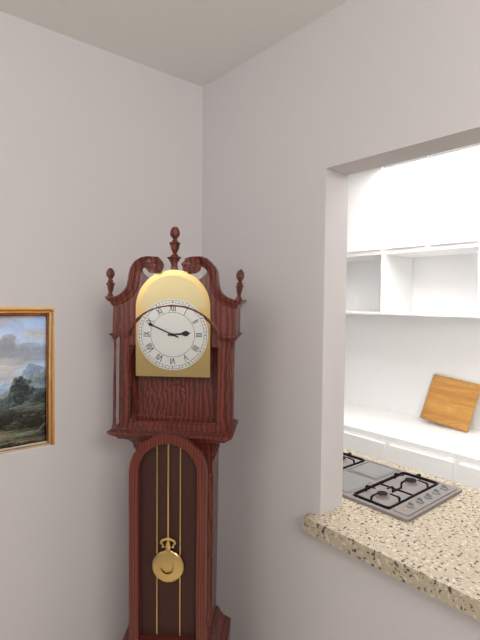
h=2 m=49
